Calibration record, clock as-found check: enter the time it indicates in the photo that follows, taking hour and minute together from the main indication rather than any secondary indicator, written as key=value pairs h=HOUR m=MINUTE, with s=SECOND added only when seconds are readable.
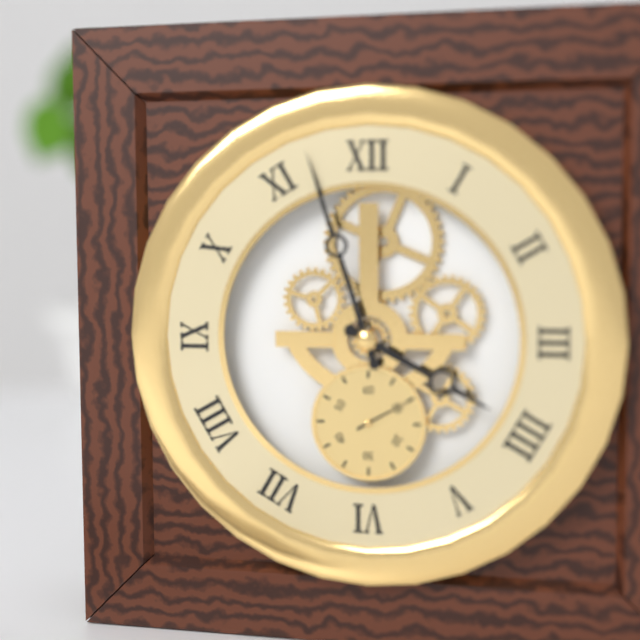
h=3 m=57
